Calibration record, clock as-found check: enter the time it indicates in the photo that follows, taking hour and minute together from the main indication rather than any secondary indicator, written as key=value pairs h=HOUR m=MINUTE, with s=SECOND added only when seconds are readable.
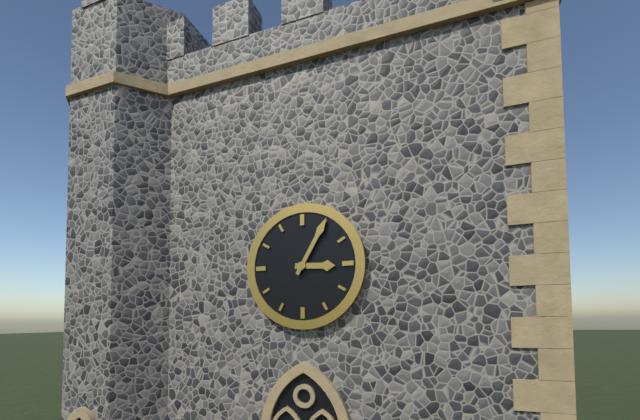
h=3 m=5
